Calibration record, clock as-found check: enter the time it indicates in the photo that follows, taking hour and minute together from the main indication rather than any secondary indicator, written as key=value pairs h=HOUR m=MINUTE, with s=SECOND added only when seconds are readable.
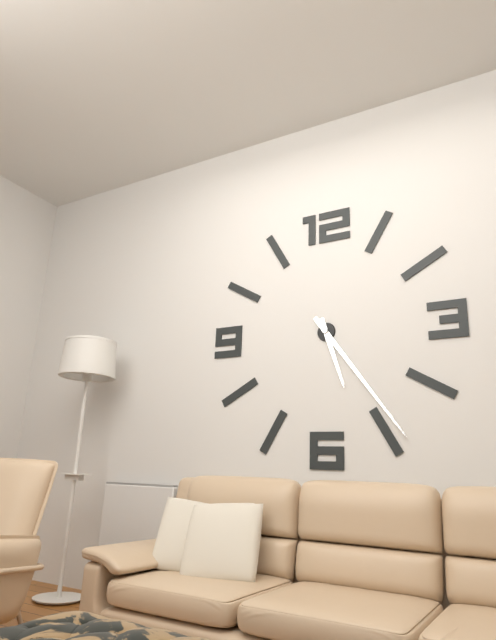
h=5 m=24
